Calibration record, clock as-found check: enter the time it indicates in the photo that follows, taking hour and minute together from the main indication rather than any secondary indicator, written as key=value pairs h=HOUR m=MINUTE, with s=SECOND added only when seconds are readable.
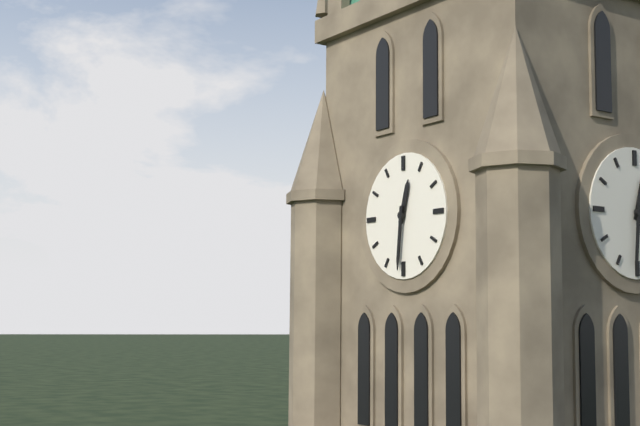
h=12 m=31
